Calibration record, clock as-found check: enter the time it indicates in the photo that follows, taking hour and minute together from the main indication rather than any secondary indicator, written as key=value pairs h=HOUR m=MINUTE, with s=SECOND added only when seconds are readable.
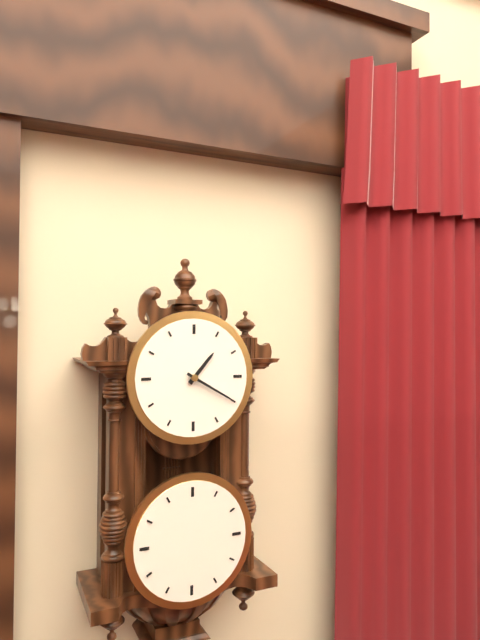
h=1 m=20
